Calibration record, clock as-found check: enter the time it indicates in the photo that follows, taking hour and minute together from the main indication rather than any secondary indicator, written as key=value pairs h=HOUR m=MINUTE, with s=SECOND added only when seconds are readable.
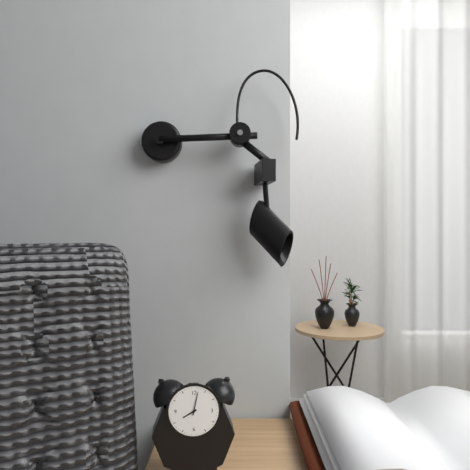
h=8 m=2
